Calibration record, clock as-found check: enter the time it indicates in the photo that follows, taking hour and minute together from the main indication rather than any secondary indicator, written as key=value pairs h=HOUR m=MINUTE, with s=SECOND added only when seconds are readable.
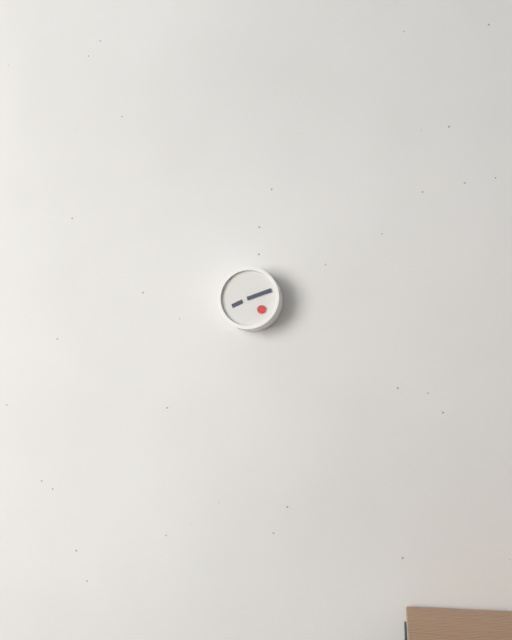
h=8 m=12
